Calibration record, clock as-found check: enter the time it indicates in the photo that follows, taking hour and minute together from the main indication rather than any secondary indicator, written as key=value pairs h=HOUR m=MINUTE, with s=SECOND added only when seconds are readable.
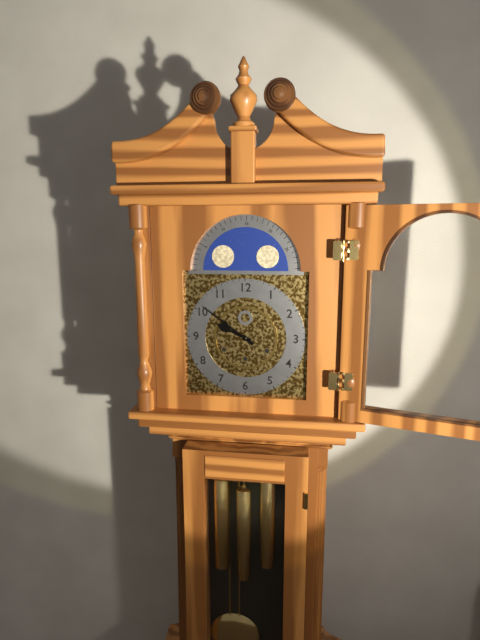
h=9 m=51
